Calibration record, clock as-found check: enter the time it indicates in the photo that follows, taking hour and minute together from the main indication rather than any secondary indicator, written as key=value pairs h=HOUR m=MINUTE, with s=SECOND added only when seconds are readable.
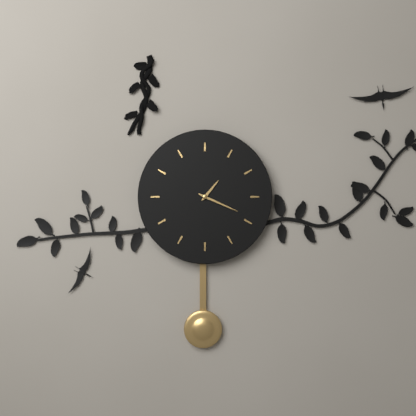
h=1 m=19
